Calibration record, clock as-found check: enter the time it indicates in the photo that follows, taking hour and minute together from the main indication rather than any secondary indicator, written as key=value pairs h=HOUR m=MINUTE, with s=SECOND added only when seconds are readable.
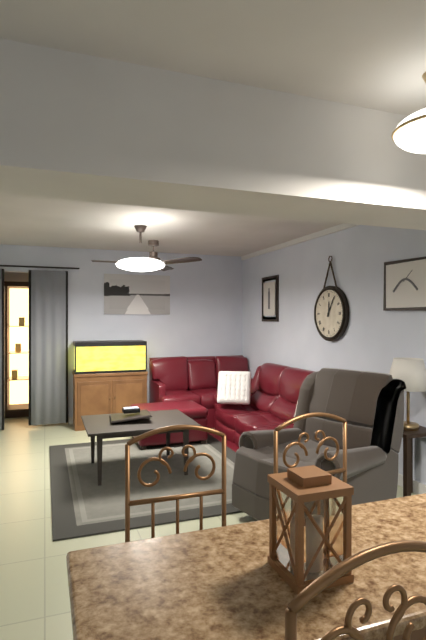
h=12 m=5
